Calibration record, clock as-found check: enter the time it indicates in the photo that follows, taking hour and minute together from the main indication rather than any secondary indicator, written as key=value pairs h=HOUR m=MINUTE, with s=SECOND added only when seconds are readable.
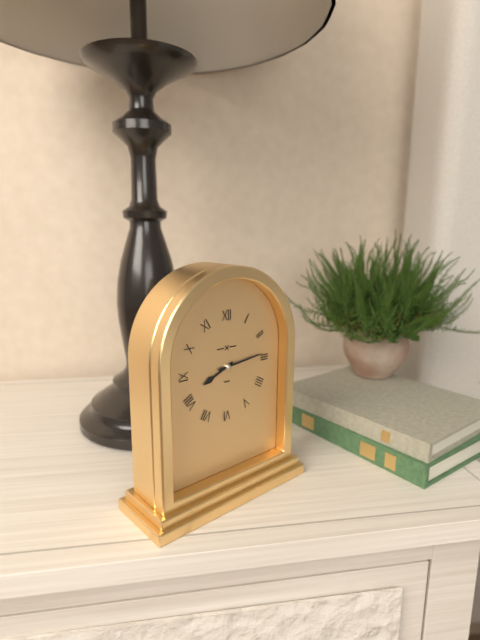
h=8 m=14
